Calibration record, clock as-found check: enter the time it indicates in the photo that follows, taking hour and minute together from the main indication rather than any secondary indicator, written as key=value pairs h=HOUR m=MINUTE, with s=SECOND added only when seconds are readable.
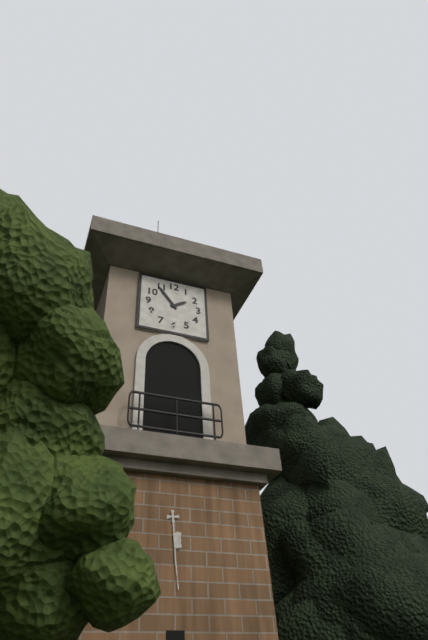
h=1 m=54
